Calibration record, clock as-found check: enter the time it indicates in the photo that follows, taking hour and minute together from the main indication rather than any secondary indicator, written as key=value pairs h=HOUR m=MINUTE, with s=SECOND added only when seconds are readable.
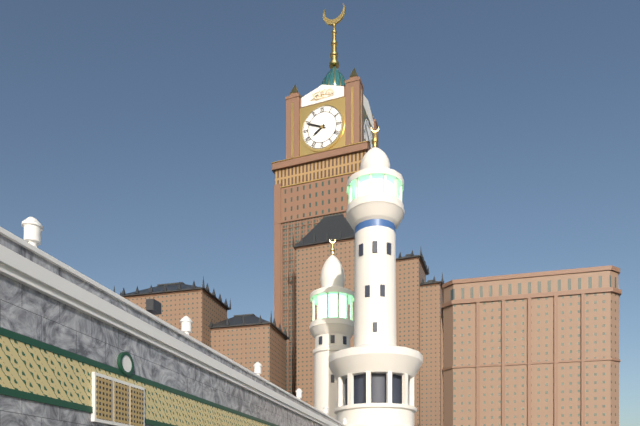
h=7 m=49
